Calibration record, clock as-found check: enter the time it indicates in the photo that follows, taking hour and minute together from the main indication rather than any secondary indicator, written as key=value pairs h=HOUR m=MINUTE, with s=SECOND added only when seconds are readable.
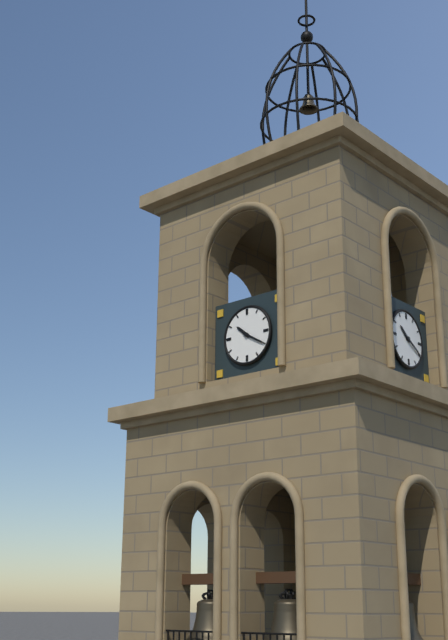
h=10 m=20
